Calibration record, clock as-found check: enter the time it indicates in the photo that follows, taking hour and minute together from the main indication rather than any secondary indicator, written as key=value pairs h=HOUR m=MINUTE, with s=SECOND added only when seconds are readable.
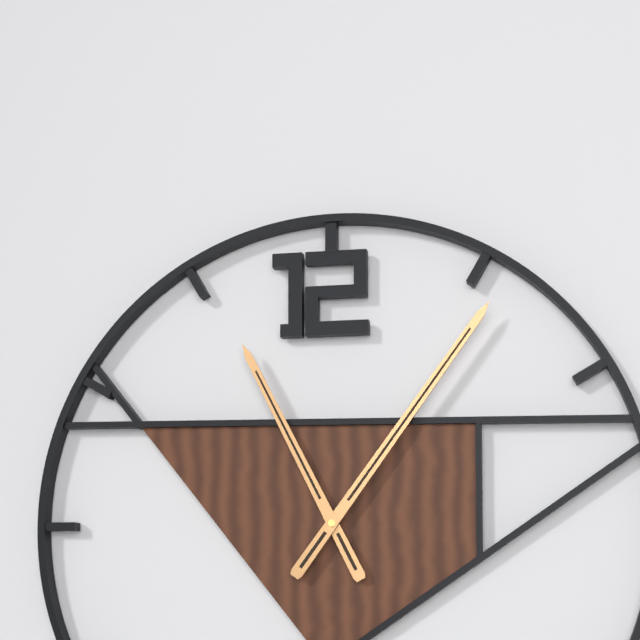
h=11 m=6
